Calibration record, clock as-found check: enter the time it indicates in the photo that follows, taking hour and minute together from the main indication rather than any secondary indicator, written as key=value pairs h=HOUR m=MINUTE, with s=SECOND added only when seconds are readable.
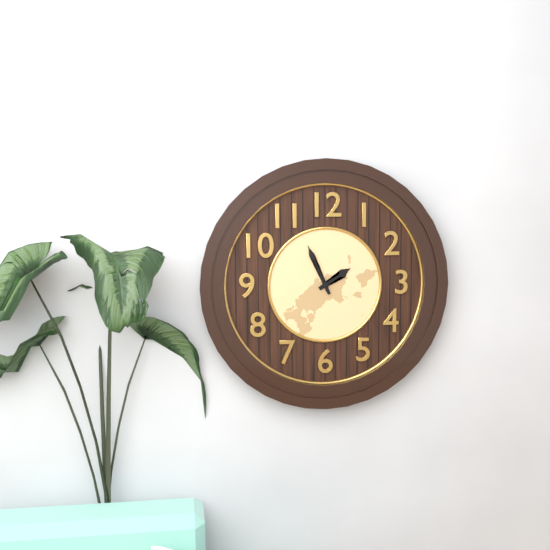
h=1 m=56
